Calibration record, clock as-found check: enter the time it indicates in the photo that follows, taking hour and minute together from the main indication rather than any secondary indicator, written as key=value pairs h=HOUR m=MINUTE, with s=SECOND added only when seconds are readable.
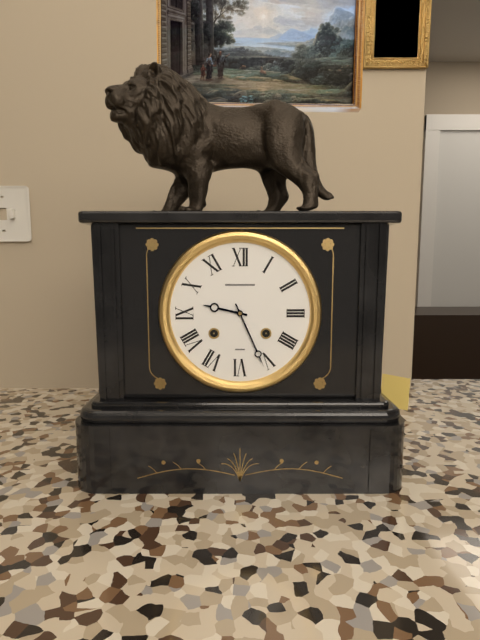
h=9 m=26
